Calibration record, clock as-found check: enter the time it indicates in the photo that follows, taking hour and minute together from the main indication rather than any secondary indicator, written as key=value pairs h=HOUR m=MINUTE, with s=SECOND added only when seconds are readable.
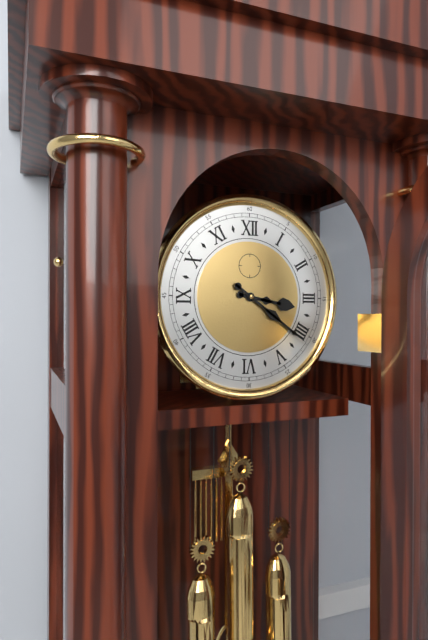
h=3 m=21
